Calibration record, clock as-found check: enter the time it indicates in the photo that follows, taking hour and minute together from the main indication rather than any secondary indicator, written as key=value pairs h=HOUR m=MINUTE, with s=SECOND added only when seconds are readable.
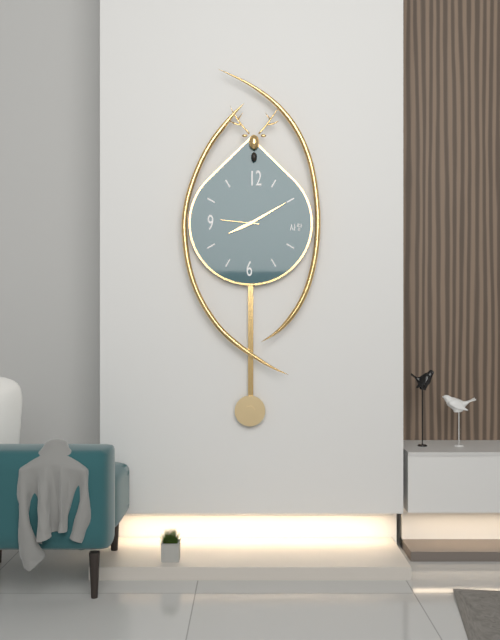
h=8 m=10
